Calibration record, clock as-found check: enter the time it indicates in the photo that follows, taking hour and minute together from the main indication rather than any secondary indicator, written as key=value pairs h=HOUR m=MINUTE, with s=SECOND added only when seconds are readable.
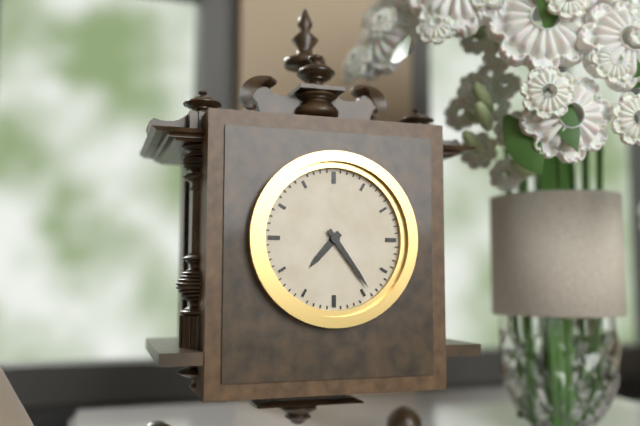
h=7 m=24
